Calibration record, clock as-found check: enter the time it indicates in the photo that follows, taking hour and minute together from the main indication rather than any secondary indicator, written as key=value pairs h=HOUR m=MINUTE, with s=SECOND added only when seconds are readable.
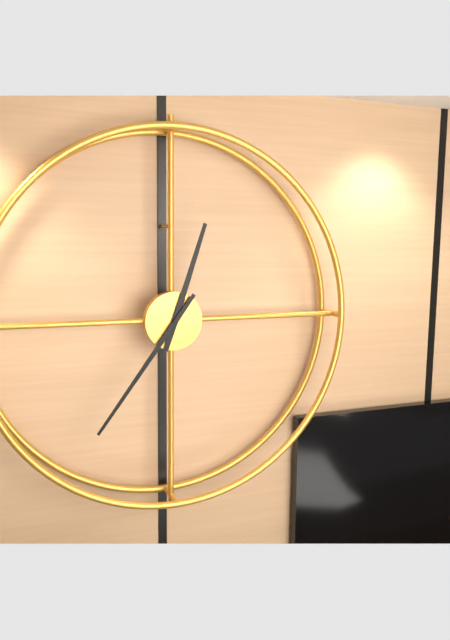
h=12 m=36
